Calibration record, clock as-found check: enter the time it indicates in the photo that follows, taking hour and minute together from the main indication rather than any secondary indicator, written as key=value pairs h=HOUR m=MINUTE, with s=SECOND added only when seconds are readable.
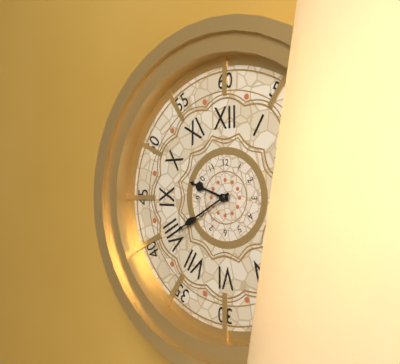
h=9 m=40
